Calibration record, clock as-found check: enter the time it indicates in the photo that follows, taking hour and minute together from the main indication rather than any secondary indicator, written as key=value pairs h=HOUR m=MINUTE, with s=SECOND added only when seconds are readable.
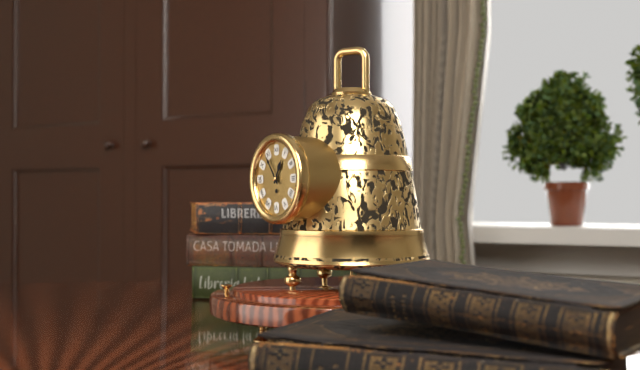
h=12 m=54
